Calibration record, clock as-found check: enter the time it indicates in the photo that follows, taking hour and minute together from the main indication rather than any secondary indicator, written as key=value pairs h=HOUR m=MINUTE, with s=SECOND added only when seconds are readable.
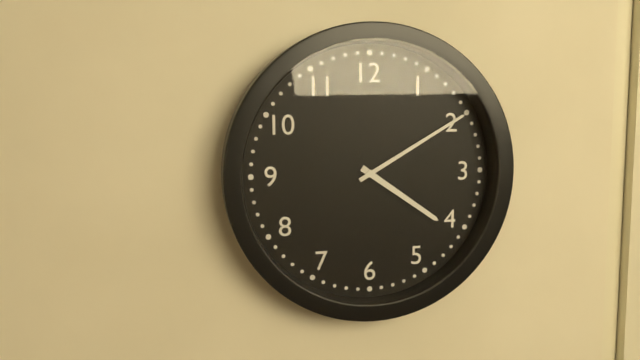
h=4 m=10
